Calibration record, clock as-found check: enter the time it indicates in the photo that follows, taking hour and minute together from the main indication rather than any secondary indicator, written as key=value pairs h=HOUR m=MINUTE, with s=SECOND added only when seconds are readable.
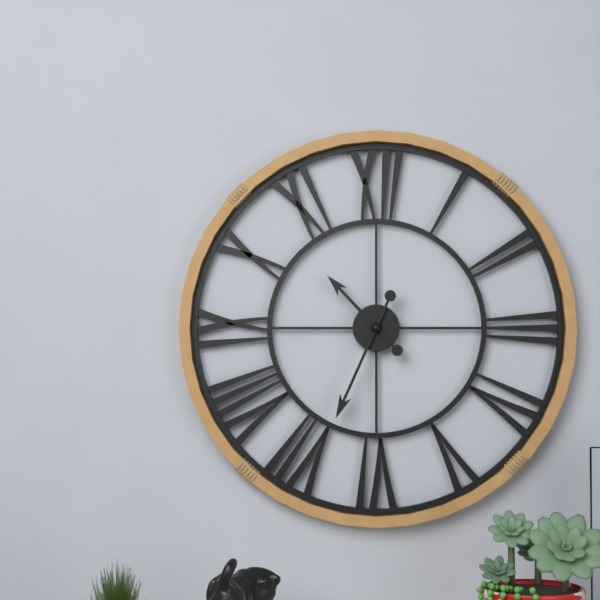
h=10 m=34
